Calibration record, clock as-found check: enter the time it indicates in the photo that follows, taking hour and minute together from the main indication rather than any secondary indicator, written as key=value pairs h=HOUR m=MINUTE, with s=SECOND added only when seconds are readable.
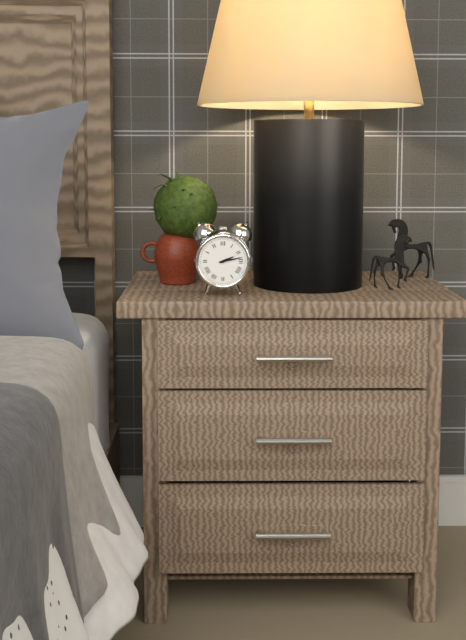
h=2 m=13
